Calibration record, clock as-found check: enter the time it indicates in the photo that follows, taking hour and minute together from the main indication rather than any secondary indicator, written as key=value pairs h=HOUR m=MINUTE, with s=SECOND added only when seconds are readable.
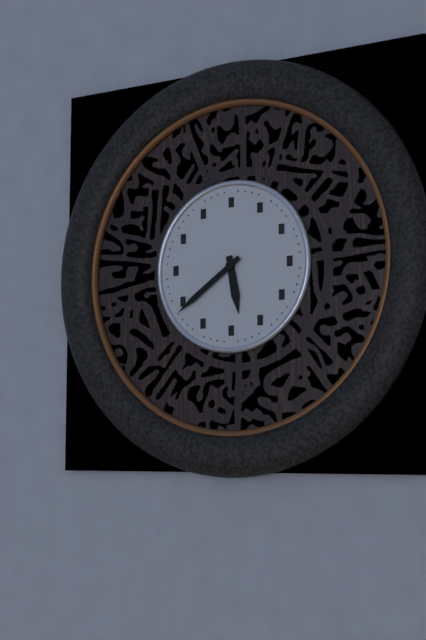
h=5 m=39
